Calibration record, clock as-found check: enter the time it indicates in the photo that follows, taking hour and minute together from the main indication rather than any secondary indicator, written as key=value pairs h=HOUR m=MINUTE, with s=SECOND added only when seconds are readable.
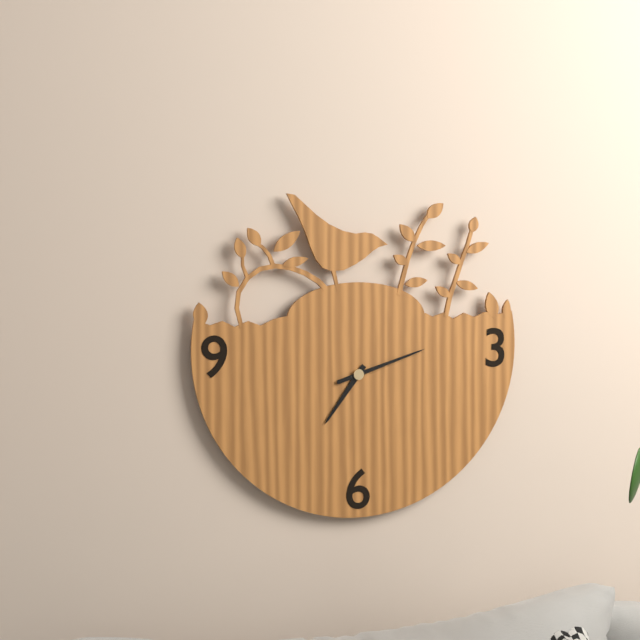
h=7 m=12
